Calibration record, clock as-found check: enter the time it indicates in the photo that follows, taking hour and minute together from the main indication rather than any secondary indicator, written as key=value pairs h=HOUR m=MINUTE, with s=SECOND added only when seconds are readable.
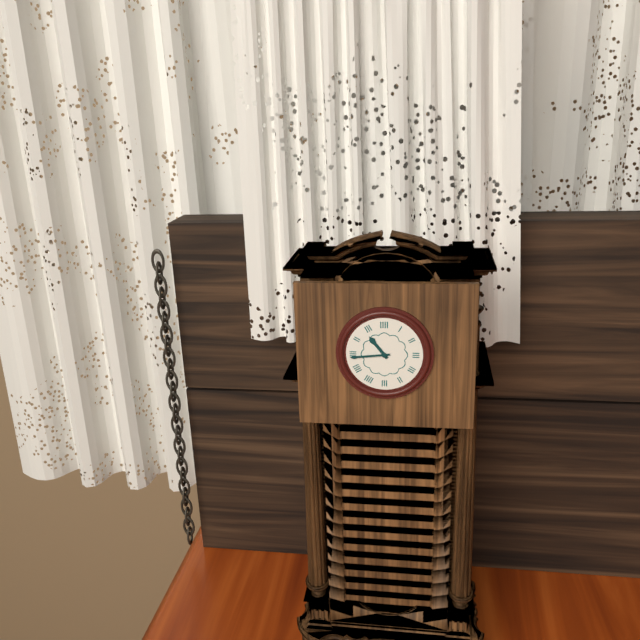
h=10 m=44
